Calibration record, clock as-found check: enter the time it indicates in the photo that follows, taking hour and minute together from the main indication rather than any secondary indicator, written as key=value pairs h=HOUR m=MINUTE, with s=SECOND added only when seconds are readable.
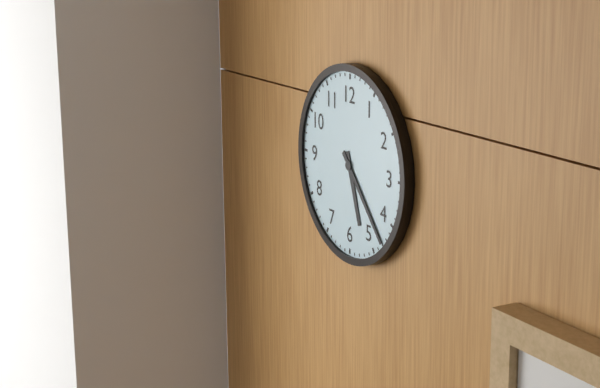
h=5 m=23
